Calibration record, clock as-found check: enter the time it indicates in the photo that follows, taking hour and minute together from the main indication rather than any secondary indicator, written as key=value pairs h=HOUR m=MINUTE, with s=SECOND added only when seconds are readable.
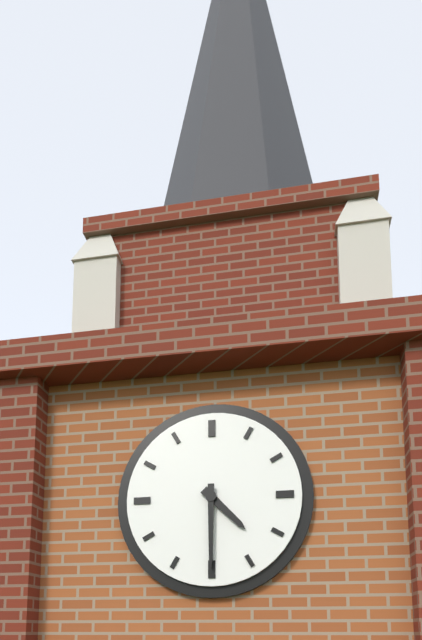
h=4 m=30
